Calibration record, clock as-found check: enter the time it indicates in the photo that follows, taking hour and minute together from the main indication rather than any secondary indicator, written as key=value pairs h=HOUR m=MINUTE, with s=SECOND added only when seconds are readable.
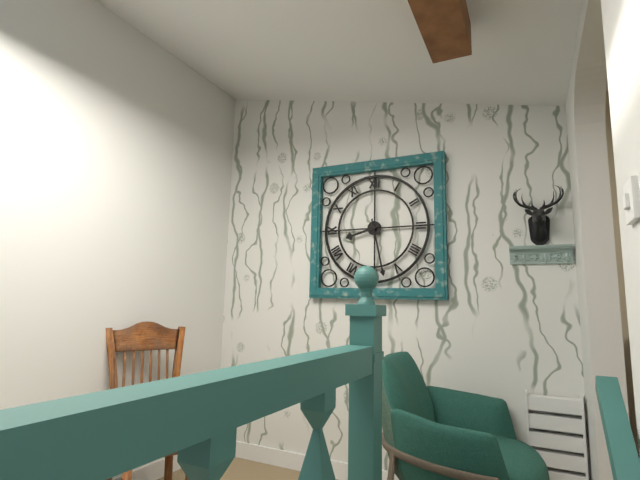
h=8 m=28
